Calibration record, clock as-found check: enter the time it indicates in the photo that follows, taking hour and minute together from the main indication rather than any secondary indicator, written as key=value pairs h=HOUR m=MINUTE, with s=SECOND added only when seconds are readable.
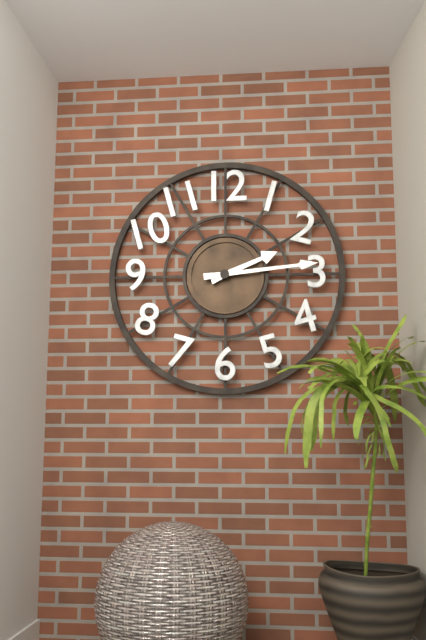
h=2 m=14
